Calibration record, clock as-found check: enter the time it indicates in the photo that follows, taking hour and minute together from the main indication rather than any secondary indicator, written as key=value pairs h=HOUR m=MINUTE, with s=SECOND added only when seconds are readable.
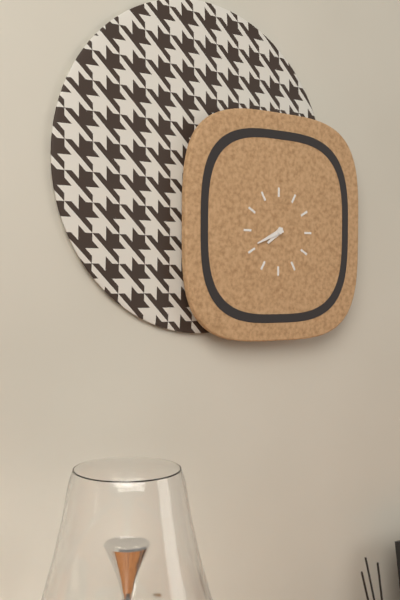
h=7 m=41
